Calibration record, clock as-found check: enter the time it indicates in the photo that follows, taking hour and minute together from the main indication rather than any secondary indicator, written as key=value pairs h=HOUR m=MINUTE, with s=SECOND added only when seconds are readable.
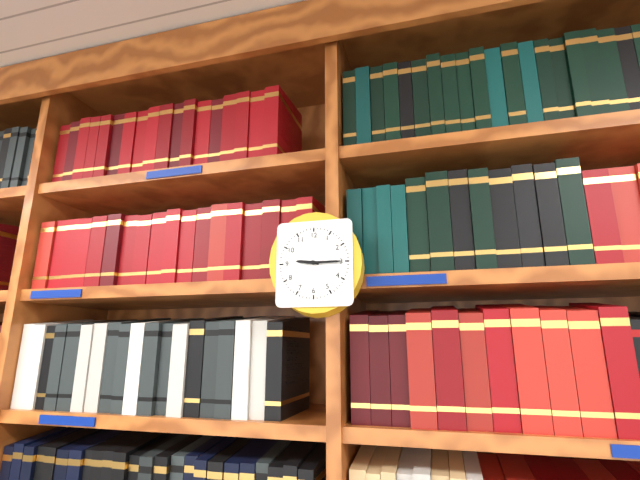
h=9 m=15
